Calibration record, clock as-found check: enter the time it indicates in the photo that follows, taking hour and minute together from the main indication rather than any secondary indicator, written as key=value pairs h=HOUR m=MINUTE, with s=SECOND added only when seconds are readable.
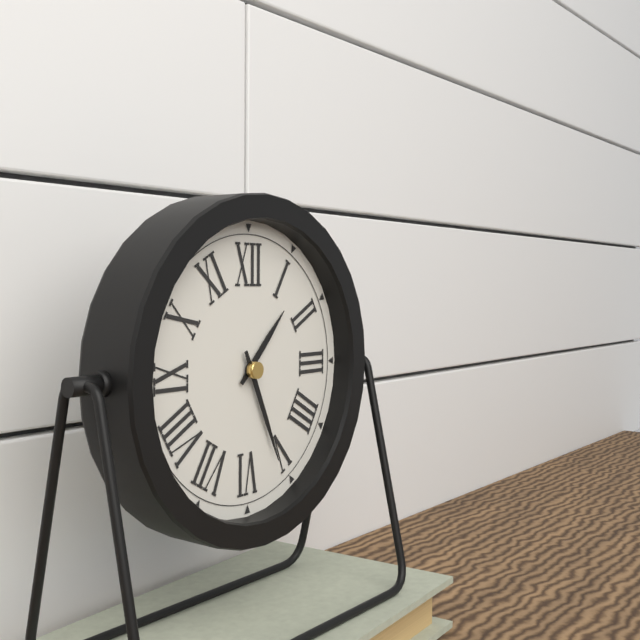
h=1 m=26
